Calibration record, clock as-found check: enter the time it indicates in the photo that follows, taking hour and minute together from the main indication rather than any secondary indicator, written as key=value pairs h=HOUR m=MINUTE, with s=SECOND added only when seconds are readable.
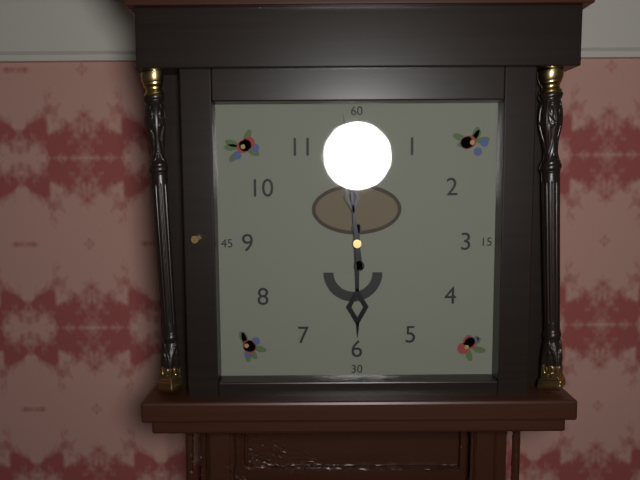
h=5 m=59
